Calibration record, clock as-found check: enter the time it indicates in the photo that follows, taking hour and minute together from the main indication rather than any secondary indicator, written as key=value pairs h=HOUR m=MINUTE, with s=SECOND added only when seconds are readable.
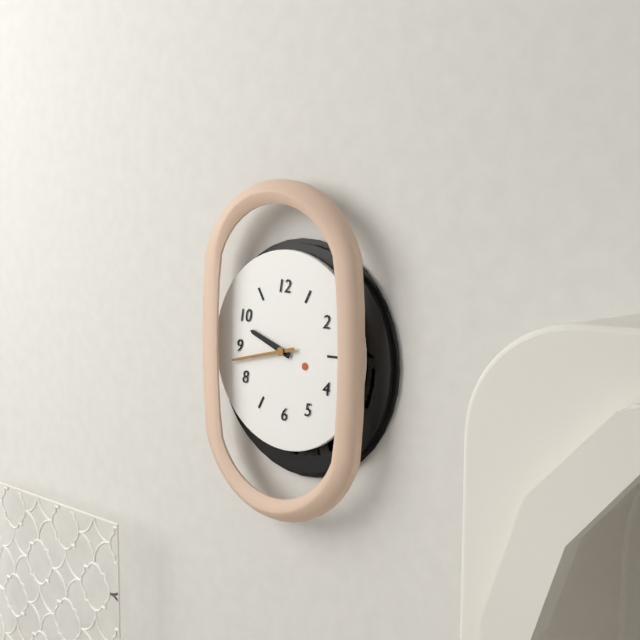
h=9 m=43
